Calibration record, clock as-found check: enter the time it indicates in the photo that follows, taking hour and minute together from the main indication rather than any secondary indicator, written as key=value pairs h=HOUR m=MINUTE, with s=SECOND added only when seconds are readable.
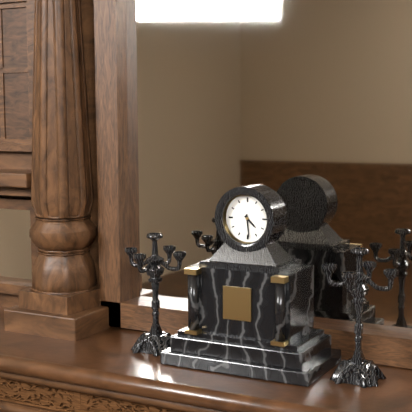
h=4 m=29
